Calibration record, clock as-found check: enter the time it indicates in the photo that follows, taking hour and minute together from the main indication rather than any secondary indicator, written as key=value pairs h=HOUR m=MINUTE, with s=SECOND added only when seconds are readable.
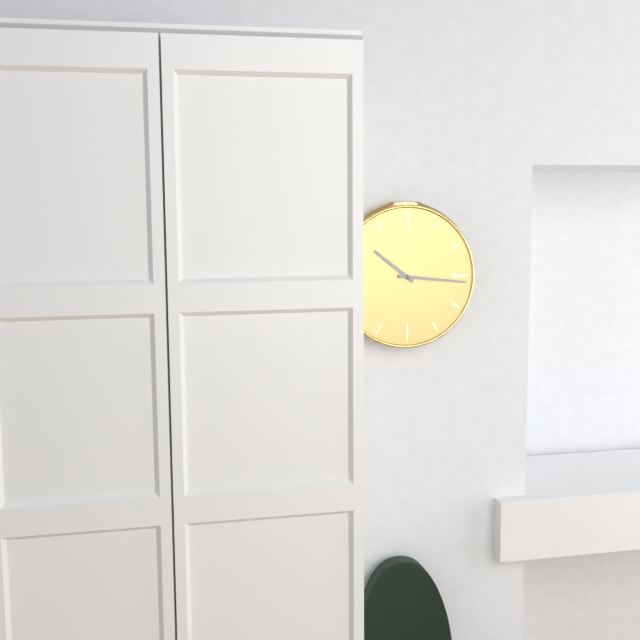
h=10 m=16
